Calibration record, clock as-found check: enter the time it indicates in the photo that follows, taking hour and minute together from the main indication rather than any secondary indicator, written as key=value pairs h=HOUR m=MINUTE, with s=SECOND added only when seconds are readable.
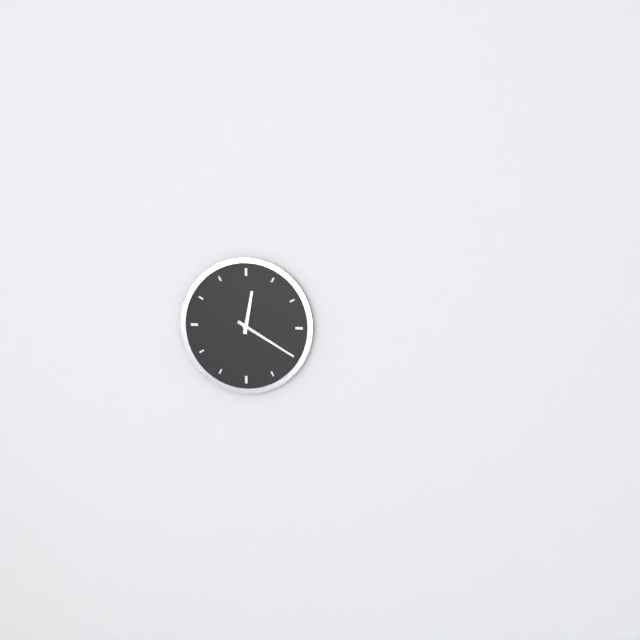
h=12 m=20
